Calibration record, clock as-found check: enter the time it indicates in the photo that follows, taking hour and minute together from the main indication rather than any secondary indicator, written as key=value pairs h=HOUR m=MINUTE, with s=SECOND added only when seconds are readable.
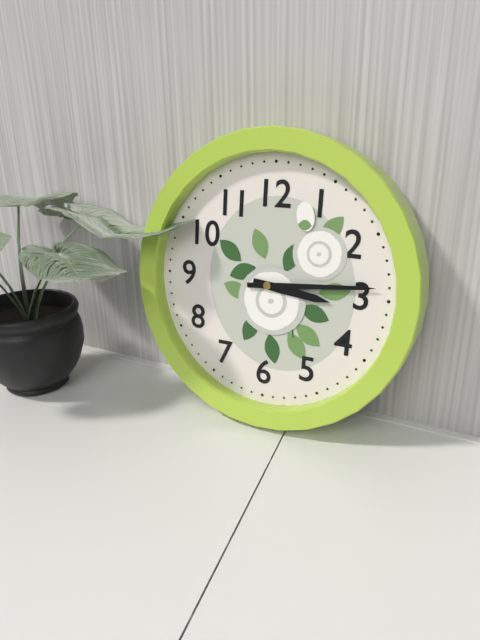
h=3 m=14
